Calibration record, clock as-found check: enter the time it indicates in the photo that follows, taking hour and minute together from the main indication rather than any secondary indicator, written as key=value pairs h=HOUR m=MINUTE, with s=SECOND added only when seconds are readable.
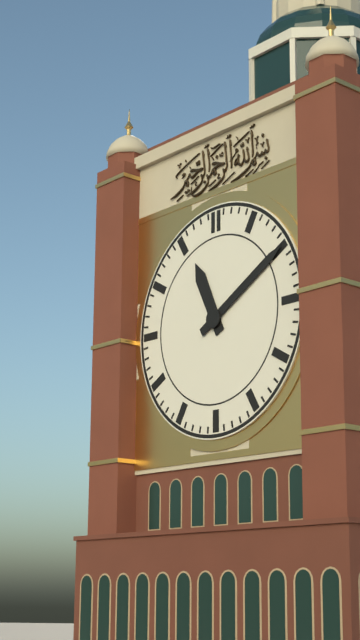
h=11 m=10
